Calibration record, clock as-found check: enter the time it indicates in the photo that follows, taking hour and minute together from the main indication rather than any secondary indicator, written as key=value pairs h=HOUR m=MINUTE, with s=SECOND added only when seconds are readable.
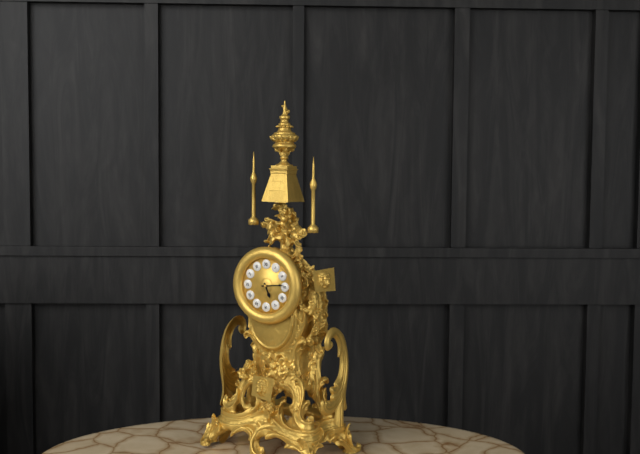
h=5 m=14
